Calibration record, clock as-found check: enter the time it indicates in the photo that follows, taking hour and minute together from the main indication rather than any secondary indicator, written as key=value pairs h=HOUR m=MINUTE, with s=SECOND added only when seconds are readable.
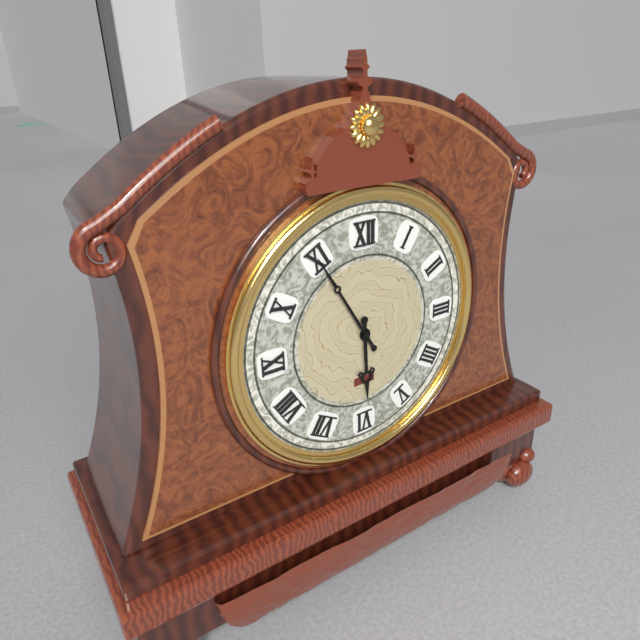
h=5 m=55
